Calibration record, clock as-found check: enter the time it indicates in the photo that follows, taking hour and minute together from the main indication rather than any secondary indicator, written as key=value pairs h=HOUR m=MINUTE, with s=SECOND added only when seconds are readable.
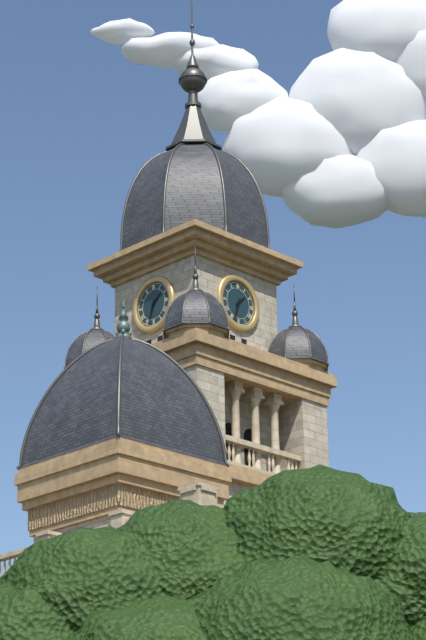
h=1 m=33
